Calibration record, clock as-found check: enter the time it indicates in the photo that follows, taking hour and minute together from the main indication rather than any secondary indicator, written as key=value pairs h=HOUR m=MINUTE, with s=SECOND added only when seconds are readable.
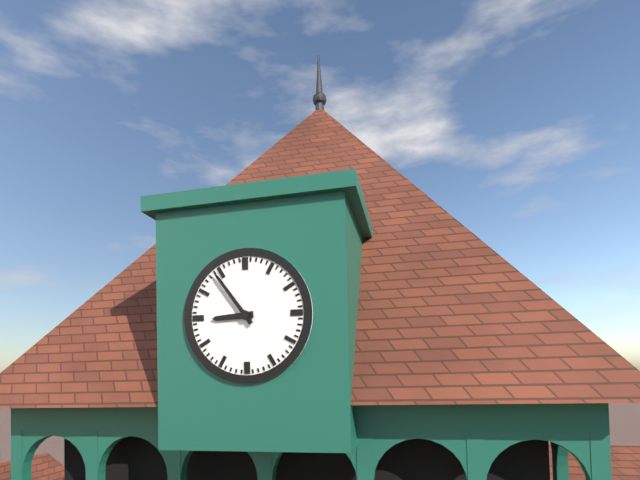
h=8 m=54
